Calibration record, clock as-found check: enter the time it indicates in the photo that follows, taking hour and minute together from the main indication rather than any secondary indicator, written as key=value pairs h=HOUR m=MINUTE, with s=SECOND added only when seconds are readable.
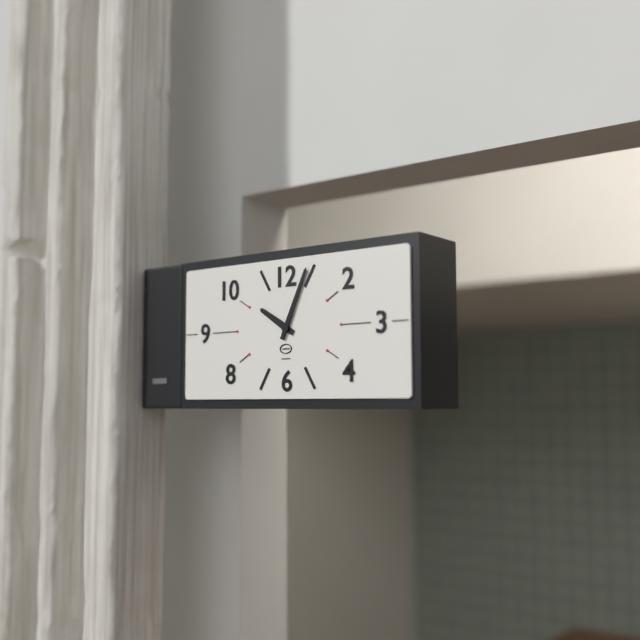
h=10 m=4
